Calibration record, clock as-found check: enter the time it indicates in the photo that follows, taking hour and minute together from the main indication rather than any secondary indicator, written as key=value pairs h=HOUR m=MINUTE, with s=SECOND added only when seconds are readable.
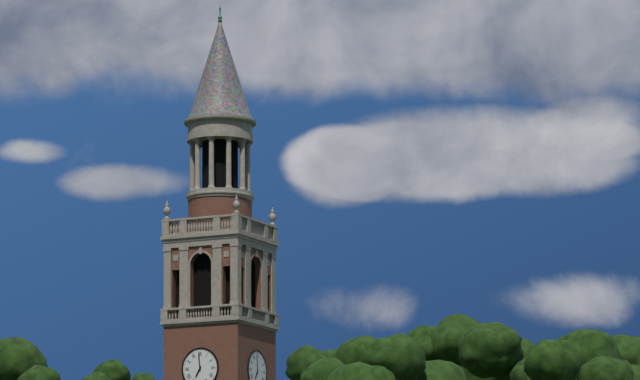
h=6 m=59
